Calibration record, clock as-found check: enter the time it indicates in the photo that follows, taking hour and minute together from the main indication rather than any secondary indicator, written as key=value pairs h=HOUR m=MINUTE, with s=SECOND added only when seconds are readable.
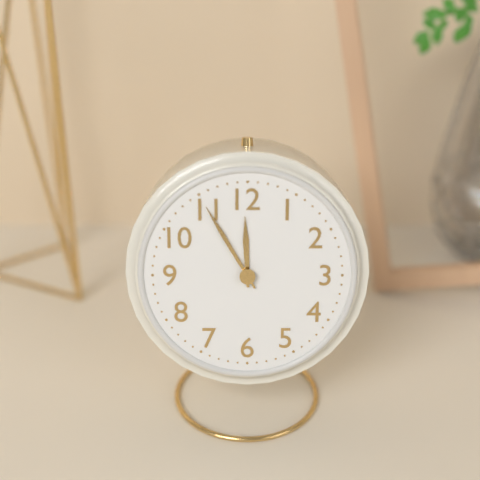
h=11 m=55
